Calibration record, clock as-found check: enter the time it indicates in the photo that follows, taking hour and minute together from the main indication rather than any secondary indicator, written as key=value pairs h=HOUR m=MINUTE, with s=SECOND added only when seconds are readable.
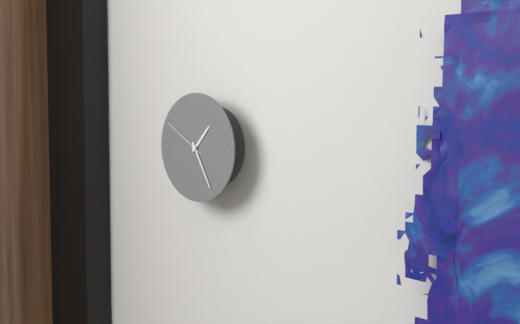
h=1 m=25
